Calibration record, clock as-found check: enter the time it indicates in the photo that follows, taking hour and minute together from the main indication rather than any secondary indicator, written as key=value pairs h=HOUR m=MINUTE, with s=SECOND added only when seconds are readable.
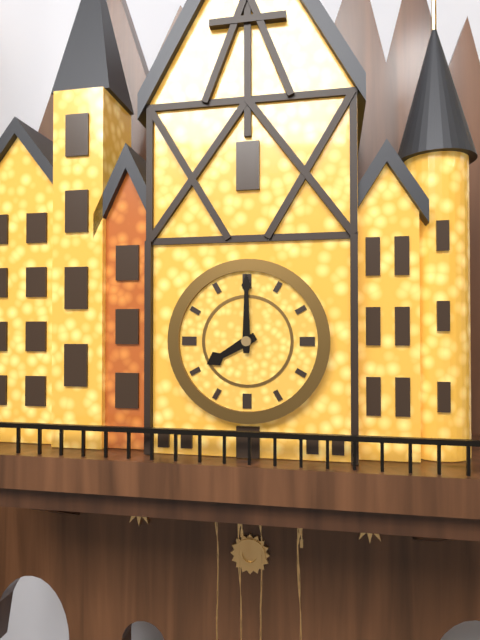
h=8 m=0
